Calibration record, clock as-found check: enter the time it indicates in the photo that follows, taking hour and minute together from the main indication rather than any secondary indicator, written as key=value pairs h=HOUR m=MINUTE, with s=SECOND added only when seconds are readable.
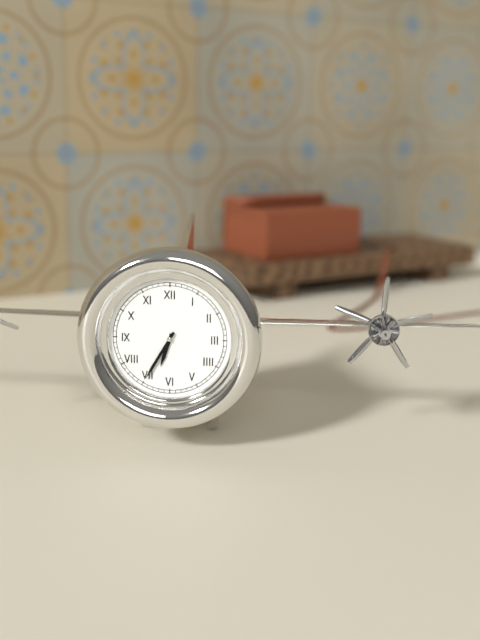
h=6 m=35
